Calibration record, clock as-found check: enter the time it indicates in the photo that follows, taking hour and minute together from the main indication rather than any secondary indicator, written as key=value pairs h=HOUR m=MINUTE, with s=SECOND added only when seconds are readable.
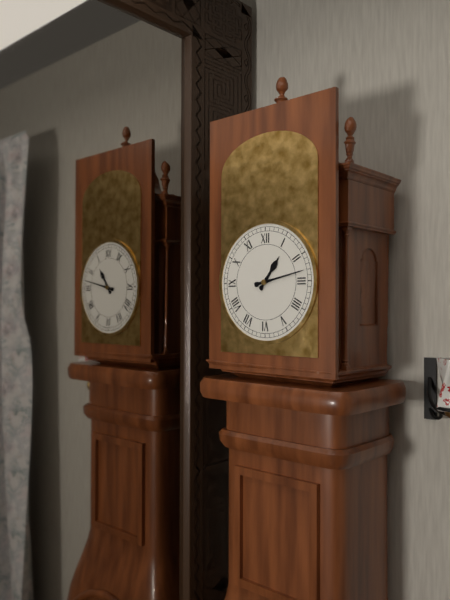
h=1 m=13
